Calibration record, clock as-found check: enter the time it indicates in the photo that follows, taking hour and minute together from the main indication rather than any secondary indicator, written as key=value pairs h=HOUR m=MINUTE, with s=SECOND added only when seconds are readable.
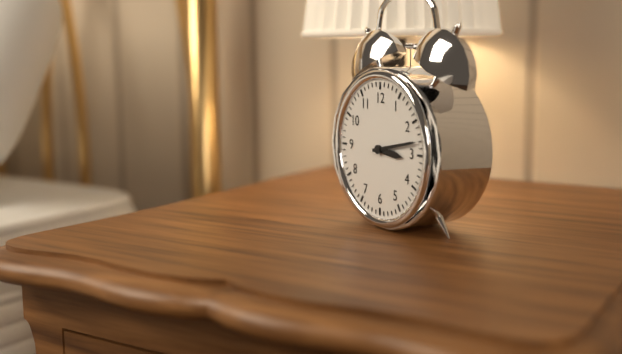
h=3 m=13
